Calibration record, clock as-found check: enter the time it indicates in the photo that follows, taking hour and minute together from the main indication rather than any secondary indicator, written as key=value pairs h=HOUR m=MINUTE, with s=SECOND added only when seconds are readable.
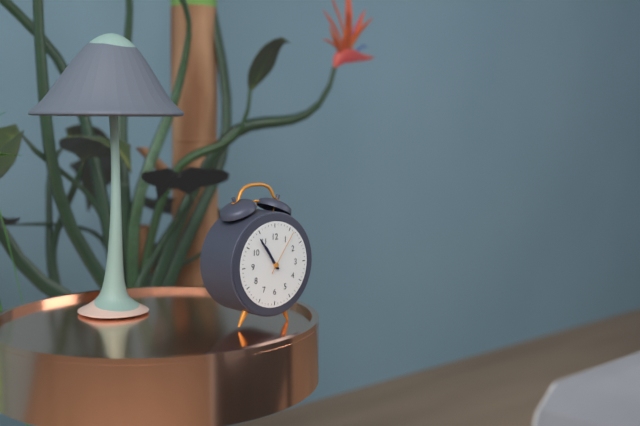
h=10 m=54
